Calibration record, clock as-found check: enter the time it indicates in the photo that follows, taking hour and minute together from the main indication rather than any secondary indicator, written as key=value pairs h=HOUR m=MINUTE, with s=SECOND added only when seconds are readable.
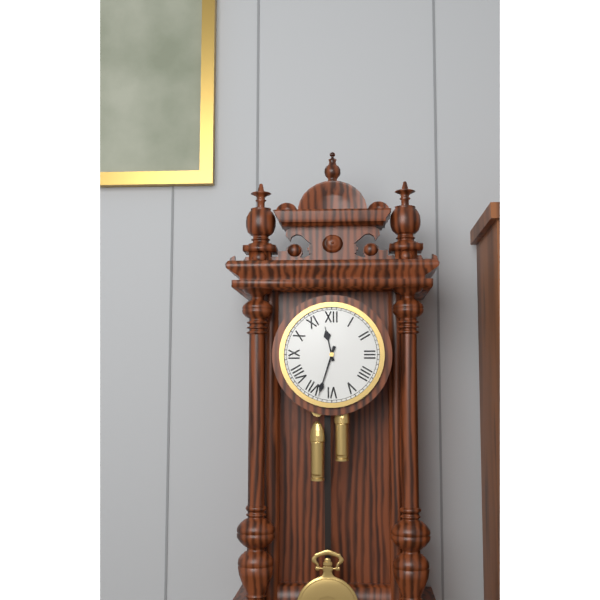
h=11 m=33
